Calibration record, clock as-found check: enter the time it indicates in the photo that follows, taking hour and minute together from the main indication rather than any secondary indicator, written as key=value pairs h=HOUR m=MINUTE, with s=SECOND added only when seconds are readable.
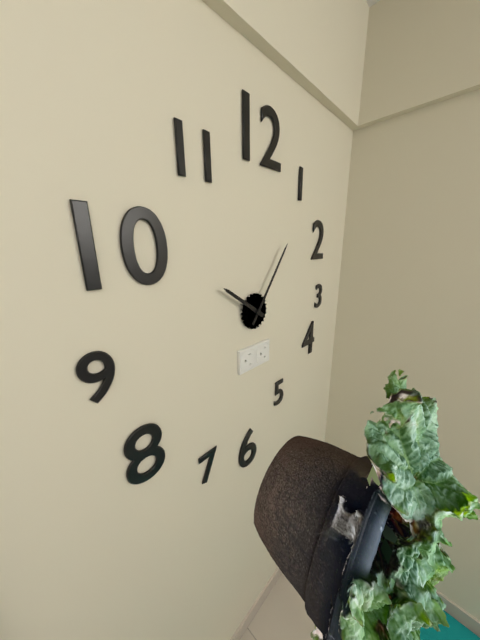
h=10 m=6
